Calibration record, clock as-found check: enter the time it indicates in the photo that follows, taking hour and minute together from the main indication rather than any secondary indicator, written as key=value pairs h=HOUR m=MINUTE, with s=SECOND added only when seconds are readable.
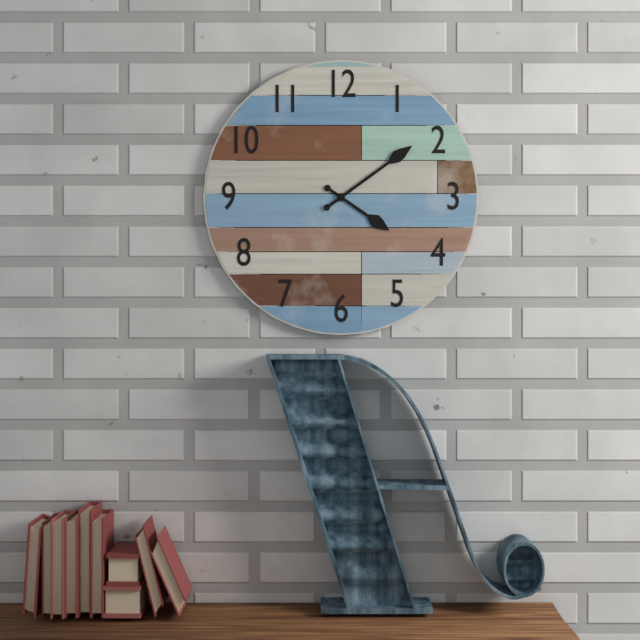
h=4 m=9
